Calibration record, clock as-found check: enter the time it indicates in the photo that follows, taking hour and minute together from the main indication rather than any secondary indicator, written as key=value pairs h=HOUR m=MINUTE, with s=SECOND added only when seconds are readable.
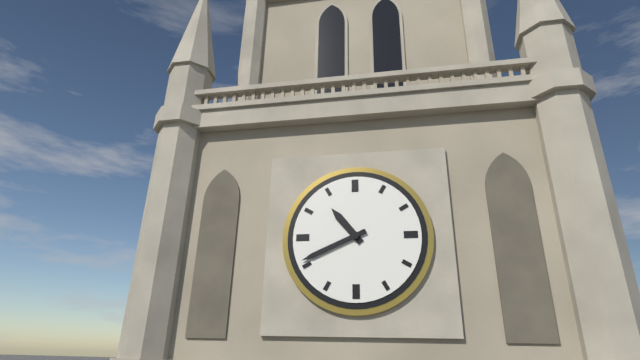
h=10 m=41
